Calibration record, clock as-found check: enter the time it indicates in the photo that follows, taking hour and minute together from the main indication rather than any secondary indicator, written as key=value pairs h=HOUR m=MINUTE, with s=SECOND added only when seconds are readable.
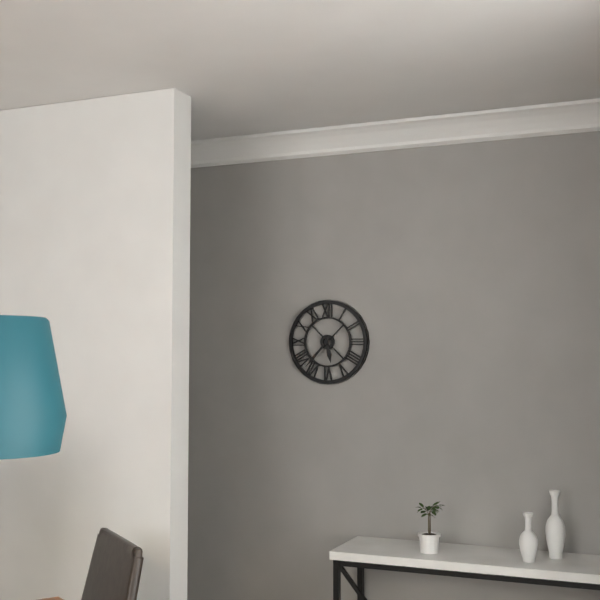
h=5 m=37
